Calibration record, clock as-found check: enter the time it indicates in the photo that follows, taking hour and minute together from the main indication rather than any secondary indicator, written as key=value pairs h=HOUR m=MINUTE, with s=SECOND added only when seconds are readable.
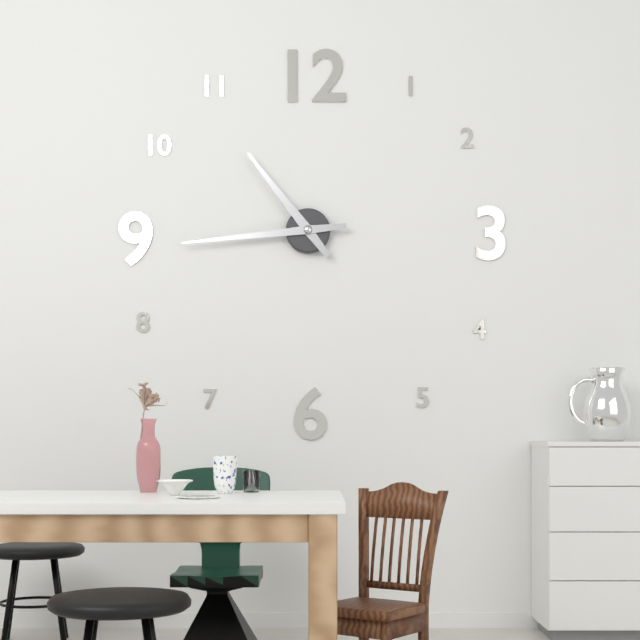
h=10 m=44
